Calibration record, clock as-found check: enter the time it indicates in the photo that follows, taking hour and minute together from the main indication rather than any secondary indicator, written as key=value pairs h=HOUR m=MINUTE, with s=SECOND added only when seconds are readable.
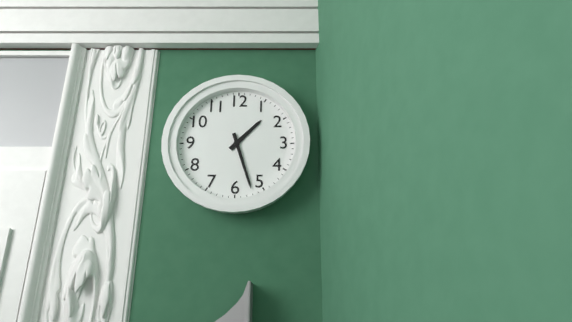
h=1 m=27
